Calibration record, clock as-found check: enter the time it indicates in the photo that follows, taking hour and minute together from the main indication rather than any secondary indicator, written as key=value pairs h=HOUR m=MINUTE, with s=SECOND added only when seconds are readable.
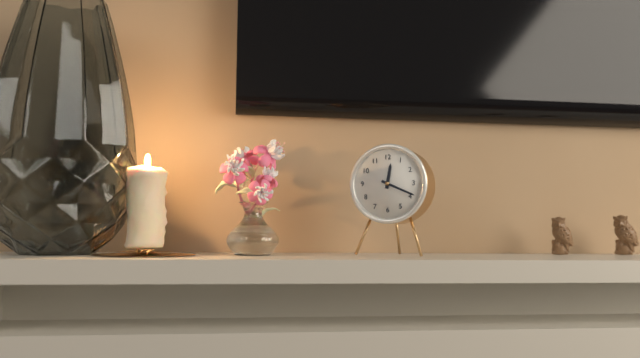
h=12 m=19
